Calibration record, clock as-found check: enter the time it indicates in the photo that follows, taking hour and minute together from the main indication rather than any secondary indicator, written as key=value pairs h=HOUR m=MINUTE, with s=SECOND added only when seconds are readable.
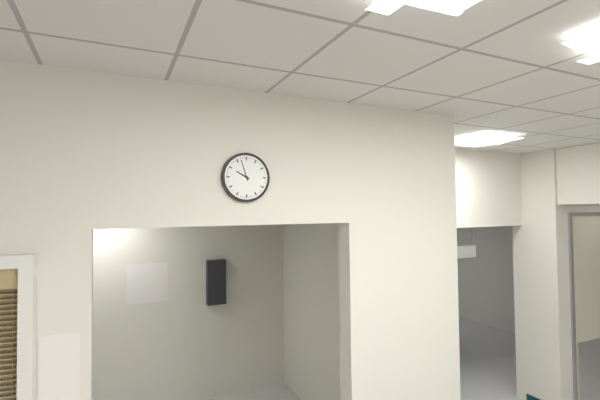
h=9 m=57
